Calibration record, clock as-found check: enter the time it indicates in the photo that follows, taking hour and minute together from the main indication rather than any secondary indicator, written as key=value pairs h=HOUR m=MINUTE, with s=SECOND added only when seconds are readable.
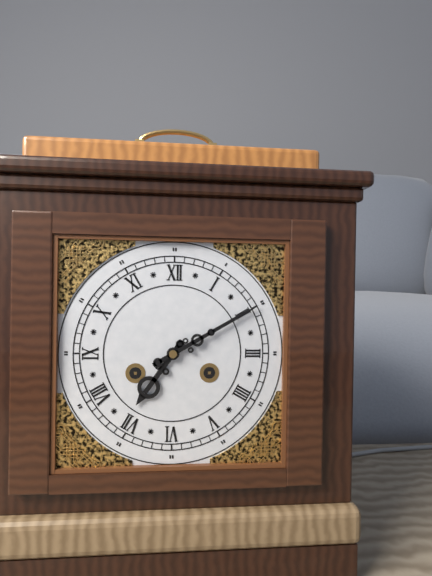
h=7 m=10
